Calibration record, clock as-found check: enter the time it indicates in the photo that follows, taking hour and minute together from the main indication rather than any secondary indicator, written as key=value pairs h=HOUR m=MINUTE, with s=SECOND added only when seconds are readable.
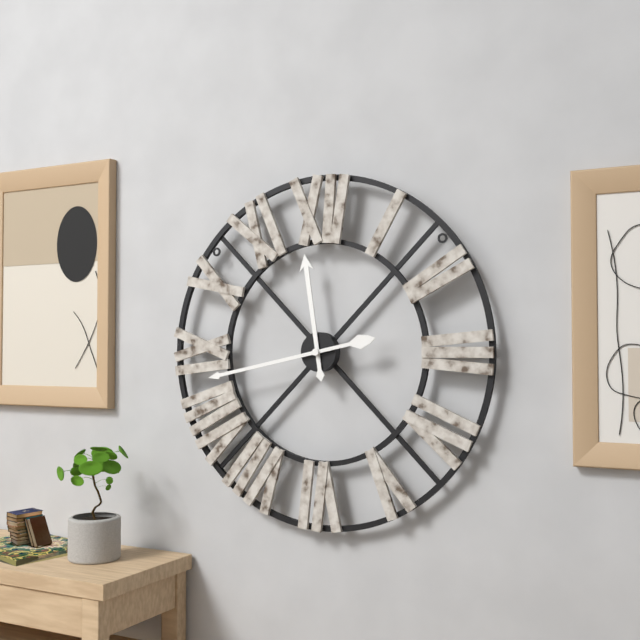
h=11 m=43
